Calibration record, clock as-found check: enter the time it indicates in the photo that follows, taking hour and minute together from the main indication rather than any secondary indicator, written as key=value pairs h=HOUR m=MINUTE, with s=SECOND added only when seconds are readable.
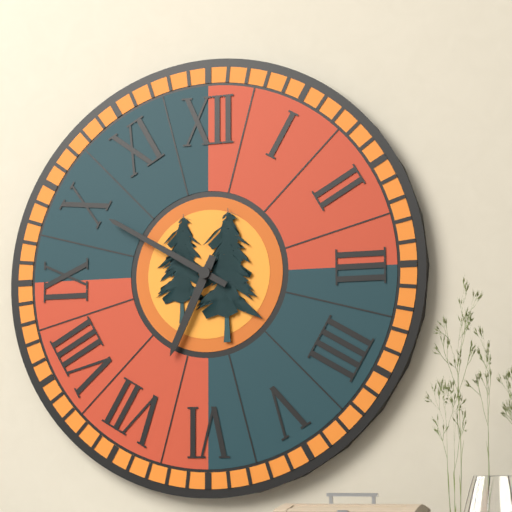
h=6 m=50
